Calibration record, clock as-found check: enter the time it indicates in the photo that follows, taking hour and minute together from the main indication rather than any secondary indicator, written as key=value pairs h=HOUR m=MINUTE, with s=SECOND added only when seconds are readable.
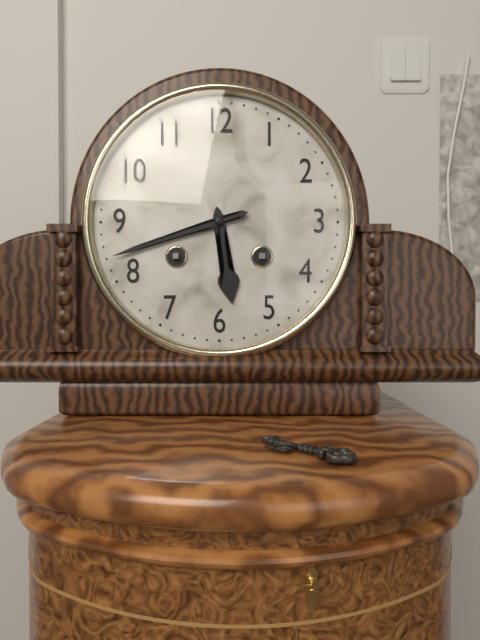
h=5 m=42
